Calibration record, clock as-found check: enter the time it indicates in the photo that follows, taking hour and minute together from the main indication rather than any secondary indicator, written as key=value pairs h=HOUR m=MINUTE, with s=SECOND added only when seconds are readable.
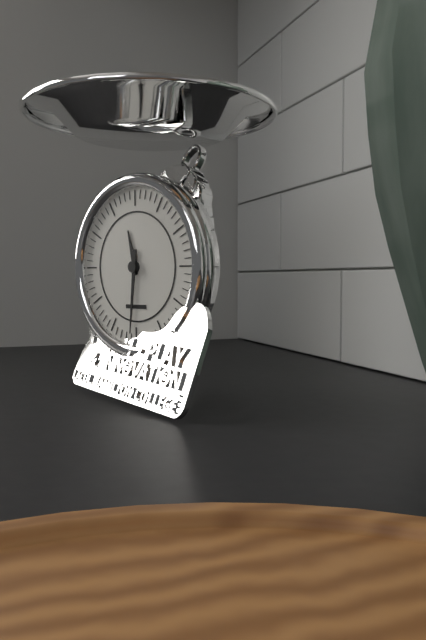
h=11 m=31
